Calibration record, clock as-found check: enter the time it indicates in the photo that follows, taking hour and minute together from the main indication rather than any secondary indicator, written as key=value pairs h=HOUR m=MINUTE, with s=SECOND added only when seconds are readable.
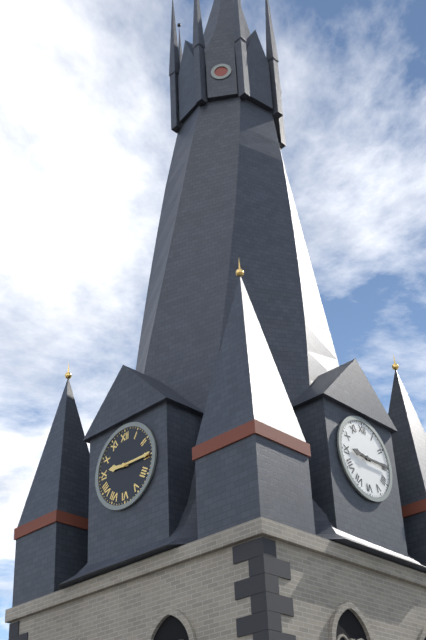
h=9 m=15
